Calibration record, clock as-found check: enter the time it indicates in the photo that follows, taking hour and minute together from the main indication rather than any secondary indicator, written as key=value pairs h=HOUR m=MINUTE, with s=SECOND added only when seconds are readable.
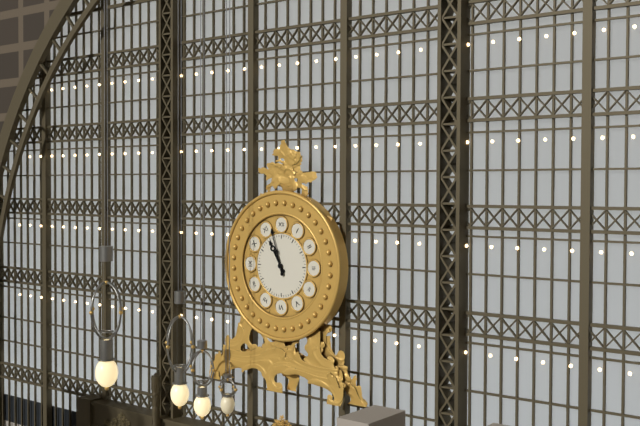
h=10 m=57
